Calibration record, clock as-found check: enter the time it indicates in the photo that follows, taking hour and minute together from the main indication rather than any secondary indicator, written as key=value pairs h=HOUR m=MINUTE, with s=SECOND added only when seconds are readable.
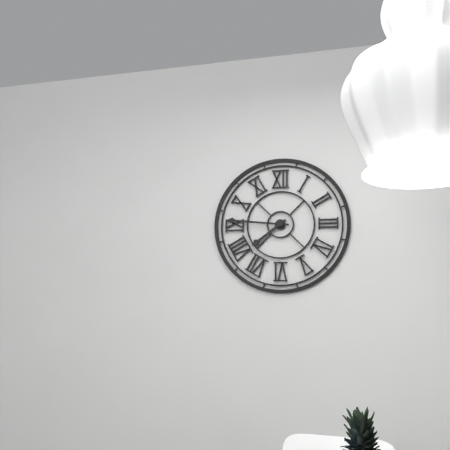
h=7 m=46
